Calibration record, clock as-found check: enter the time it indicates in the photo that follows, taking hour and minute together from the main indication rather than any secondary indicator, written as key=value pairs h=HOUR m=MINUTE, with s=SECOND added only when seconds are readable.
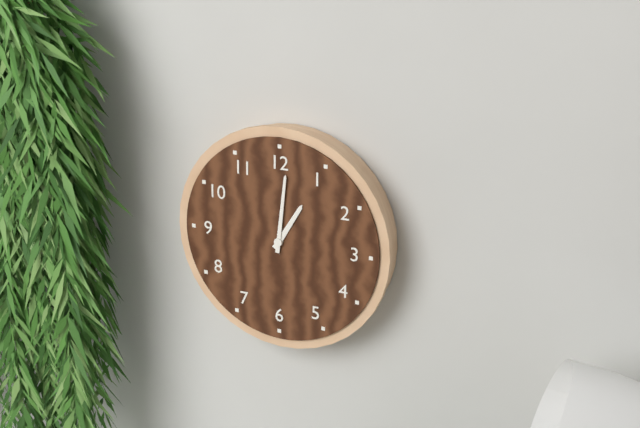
h=1 m=1
